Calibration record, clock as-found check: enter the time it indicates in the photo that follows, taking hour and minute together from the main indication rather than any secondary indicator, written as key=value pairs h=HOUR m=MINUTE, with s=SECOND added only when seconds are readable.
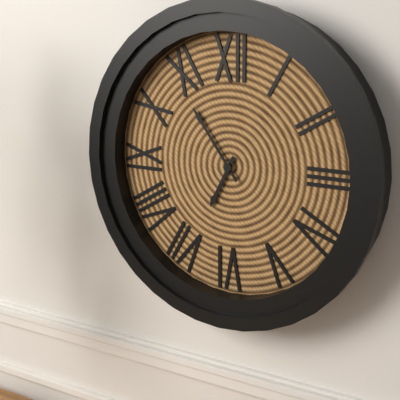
h=6 m=54
